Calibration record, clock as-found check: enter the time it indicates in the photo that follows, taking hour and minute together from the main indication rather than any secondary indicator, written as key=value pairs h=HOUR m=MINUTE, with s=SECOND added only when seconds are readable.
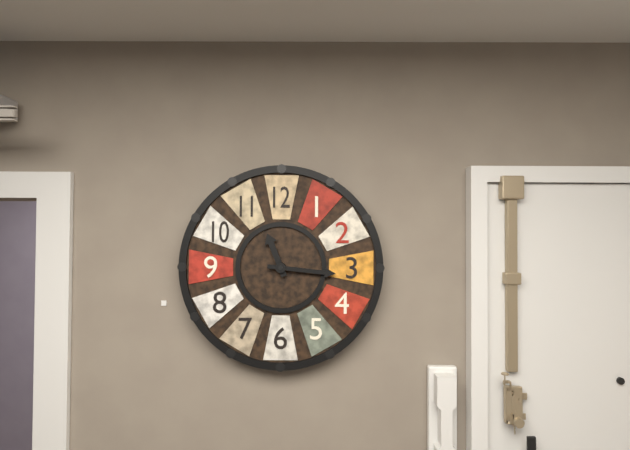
h=11 m=16
